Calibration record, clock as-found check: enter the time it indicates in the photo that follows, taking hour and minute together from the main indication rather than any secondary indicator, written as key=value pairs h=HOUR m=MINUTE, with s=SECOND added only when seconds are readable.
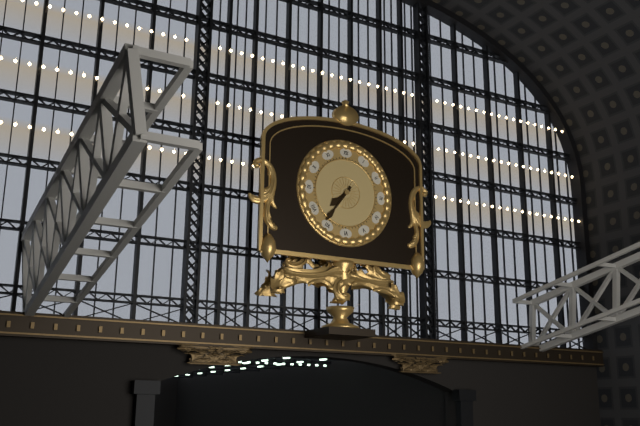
h=7 m=36
